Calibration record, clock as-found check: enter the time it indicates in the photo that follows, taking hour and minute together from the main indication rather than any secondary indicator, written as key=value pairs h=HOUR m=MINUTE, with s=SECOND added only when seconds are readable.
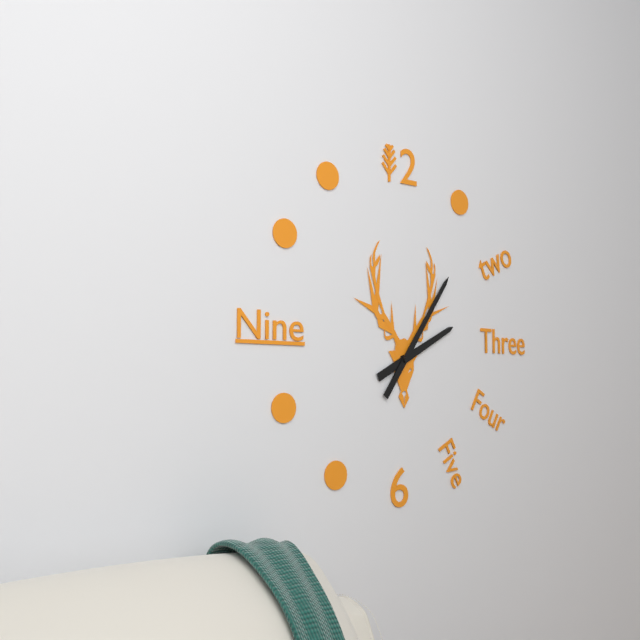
h=2 m=6
